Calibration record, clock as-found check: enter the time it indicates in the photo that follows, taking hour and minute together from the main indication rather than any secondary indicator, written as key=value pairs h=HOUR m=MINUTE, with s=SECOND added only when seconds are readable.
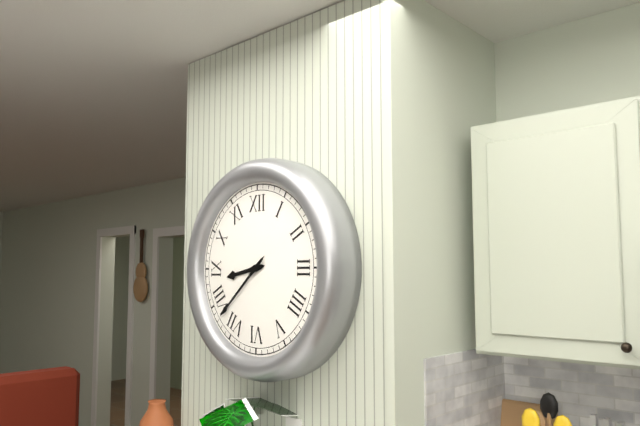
h=8 m=38
